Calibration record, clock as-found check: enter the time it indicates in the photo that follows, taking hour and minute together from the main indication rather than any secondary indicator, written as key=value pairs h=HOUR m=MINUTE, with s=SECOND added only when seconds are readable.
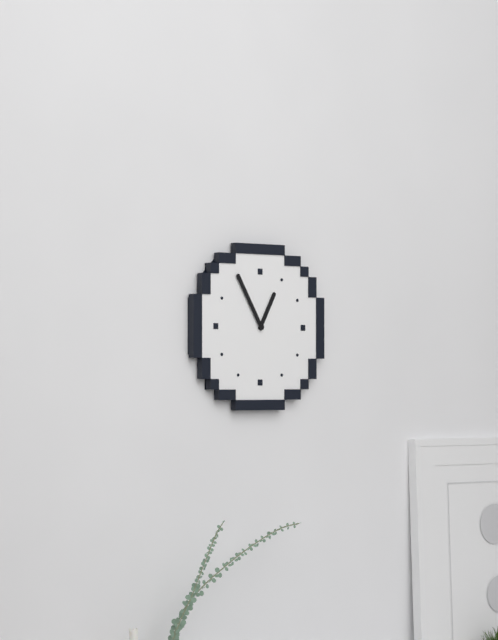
h=12 m=55
